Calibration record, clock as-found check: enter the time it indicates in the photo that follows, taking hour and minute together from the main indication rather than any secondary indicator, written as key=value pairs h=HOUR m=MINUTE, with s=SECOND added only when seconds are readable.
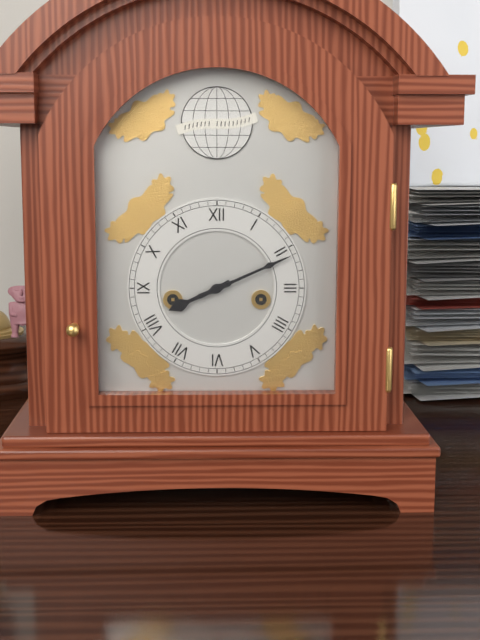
h=8 m=11
